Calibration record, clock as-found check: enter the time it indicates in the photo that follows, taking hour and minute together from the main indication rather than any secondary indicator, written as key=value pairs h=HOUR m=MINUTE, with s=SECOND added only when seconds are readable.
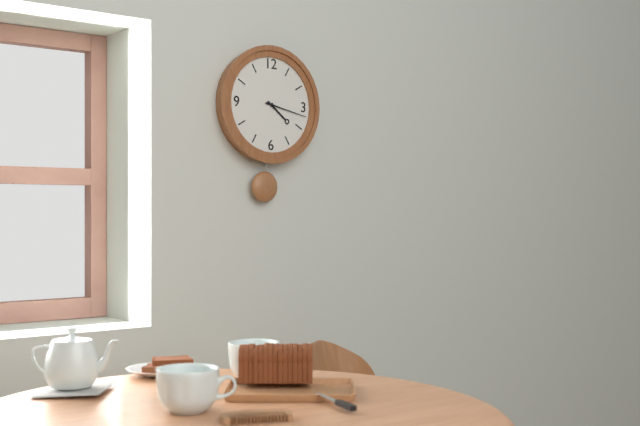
h=4 m=17
